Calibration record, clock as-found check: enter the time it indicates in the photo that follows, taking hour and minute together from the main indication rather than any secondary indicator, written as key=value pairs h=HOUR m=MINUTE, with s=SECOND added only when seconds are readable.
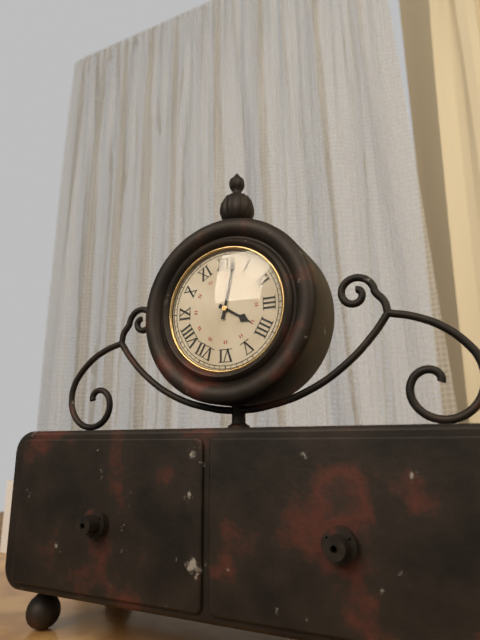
h=4 m=2
